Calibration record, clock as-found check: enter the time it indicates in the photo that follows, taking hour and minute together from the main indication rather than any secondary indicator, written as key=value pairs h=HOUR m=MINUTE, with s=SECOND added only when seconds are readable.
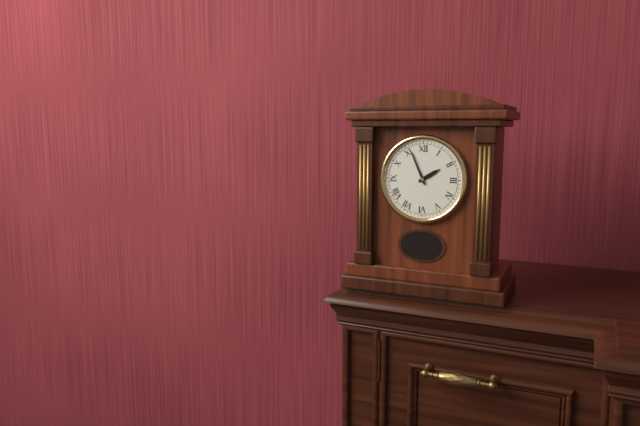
h=1 m=56
